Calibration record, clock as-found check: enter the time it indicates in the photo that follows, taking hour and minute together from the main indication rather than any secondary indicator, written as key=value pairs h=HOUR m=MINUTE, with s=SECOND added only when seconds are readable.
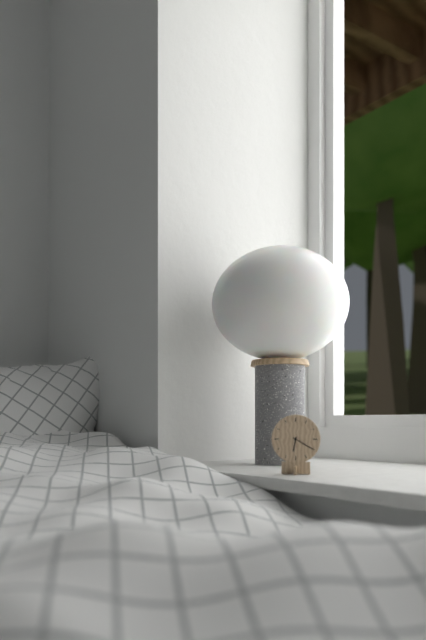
h=6 m=20
